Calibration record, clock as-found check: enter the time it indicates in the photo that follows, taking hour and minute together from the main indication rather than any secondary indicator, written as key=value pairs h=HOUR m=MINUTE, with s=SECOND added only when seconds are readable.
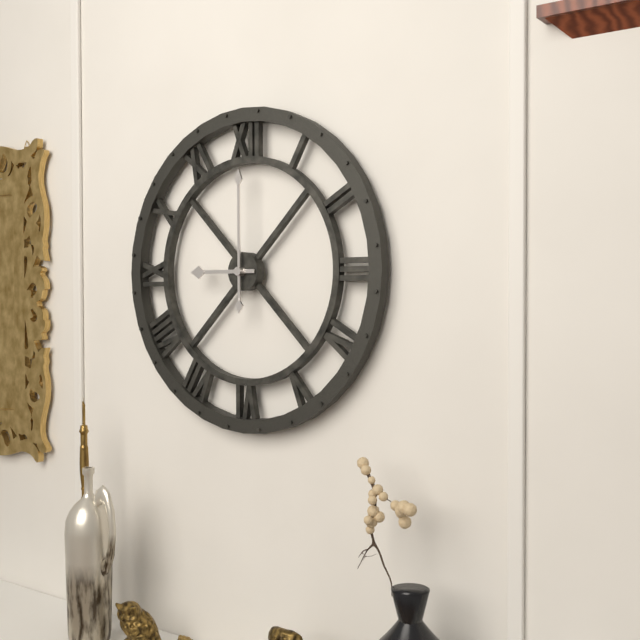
h=9 m=0
